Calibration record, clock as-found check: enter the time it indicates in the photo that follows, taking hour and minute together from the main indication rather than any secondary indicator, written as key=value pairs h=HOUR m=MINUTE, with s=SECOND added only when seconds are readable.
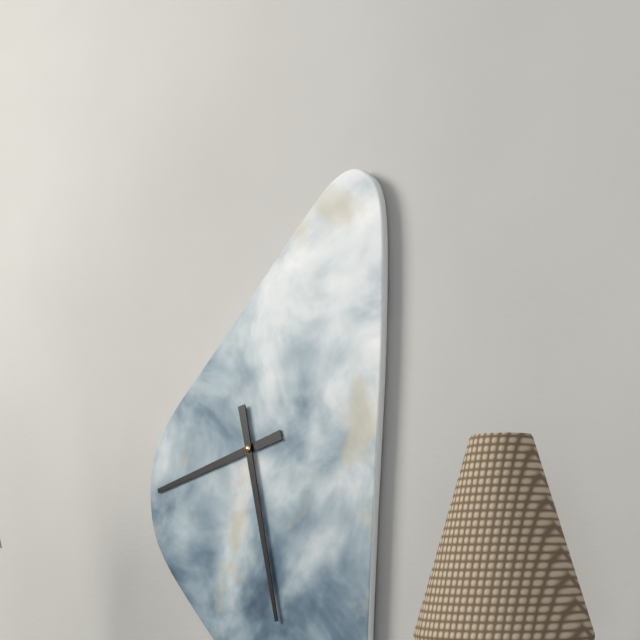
h=8 m=28
